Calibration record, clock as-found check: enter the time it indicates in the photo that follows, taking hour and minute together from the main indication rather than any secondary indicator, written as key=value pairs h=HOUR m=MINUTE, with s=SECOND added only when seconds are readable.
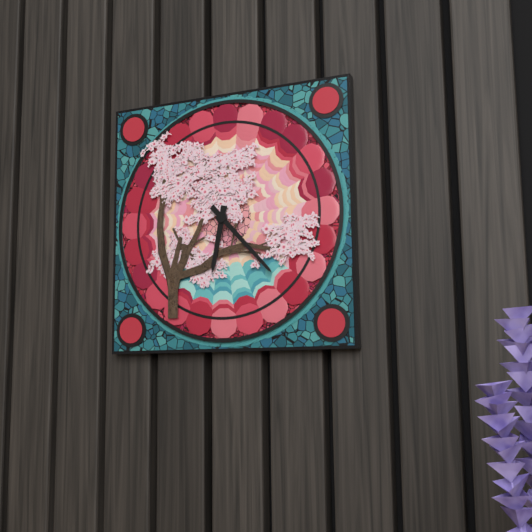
h=6 m=23
